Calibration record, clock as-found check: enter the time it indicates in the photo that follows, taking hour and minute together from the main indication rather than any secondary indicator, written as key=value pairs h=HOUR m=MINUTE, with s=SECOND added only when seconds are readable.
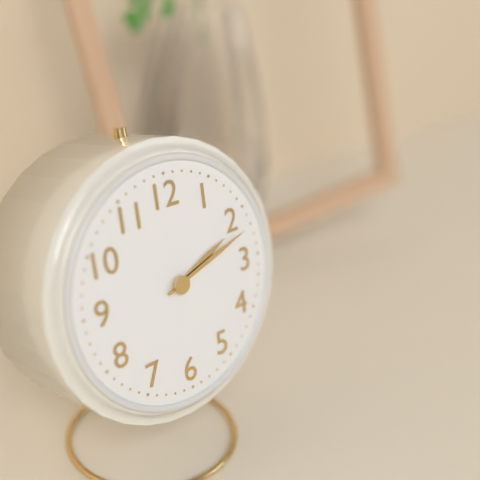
h=2 m=12
